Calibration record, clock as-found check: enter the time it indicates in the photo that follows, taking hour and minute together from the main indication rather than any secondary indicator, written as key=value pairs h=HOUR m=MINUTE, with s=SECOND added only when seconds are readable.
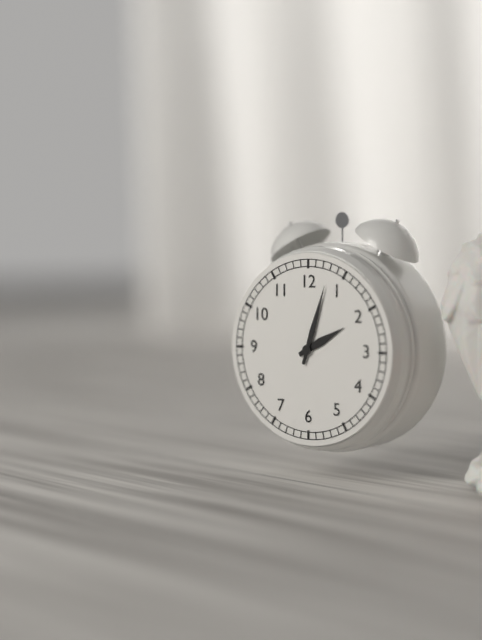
h=2 m=3
